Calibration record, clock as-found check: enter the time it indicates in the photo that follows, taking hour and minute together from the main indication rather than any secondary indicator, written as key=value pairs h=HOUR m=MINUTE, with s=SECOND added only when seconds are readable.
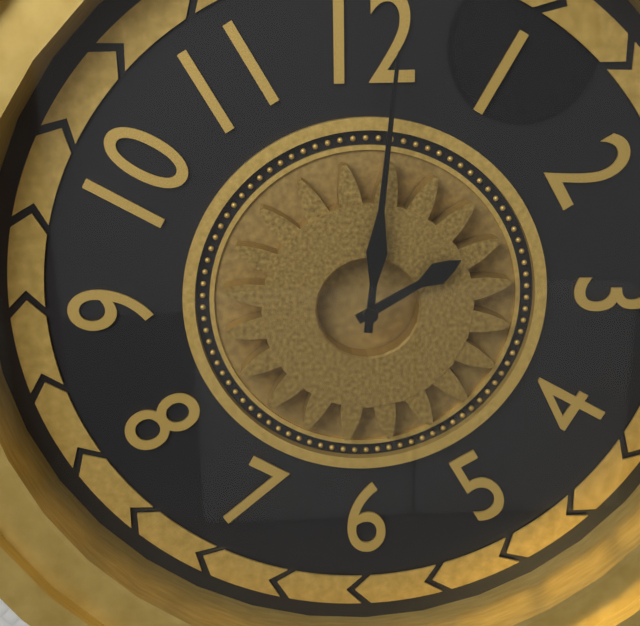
h=2 m=1
